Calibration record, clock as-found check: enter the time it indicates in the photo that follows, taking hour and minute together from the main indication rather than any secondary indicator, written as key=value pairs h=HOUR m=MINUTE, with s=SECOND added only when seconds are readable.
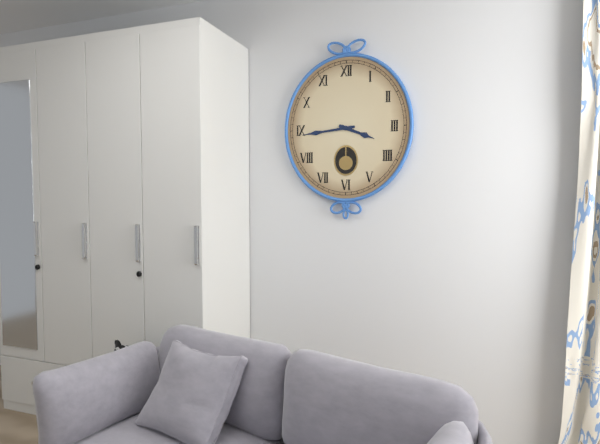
h=3 m=44
